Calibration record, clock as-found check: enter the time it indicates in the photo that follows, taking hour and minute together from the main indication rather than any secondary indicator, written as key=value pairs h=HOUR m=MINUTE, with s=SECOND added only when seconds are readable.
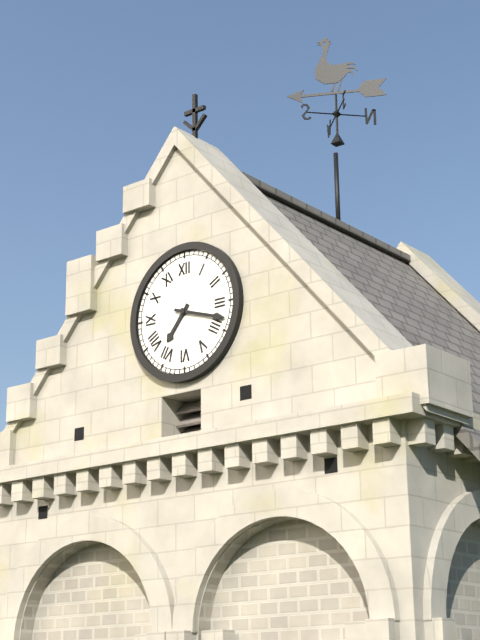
h=7 m=18
